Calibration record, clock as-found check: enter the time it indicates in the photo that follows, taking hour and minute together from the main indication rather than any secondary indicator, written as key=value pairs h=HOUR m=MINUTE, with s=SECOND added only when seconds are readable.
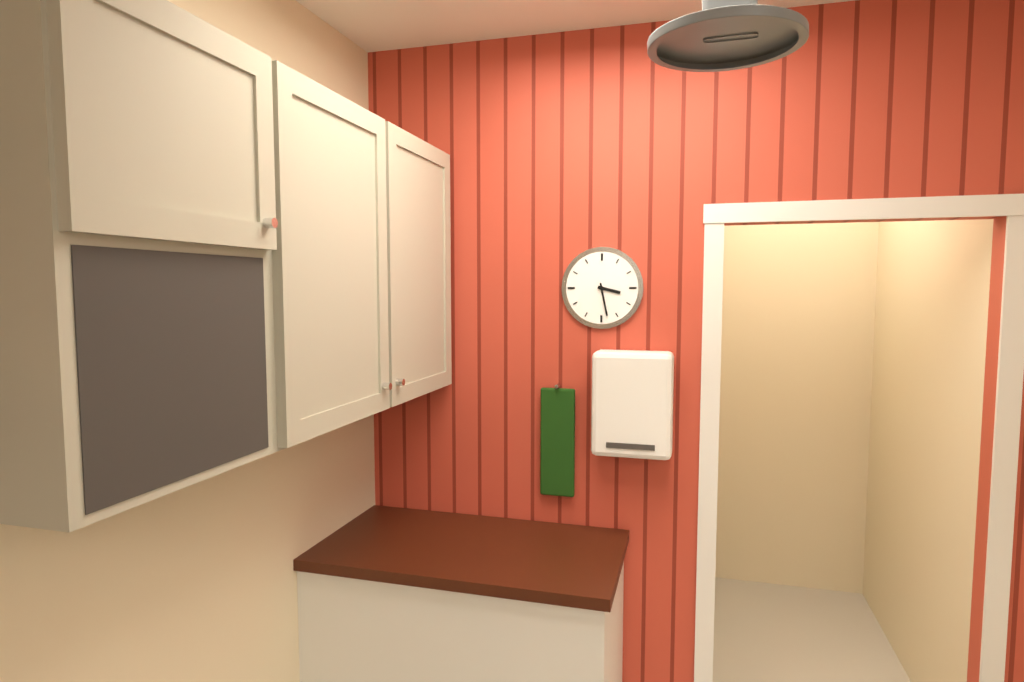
h=3 m=28
